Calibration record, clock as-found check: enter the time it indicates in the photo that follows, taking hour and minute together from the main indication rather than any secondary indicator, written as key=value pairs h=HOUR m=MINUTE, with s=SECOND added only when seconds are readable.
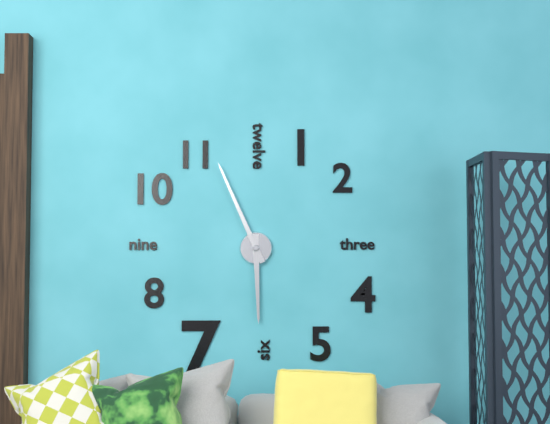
h=5 m=56
